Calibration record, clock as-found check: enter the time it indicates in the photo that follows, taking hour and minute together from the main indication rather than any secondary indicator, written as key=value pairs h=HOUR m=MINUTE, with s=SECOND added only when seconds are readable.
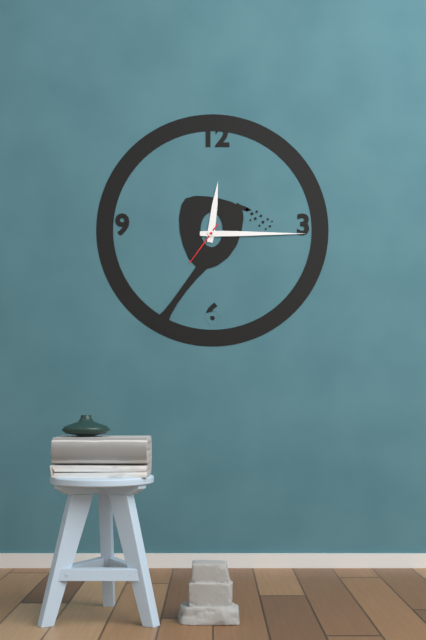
h=12 m=15
